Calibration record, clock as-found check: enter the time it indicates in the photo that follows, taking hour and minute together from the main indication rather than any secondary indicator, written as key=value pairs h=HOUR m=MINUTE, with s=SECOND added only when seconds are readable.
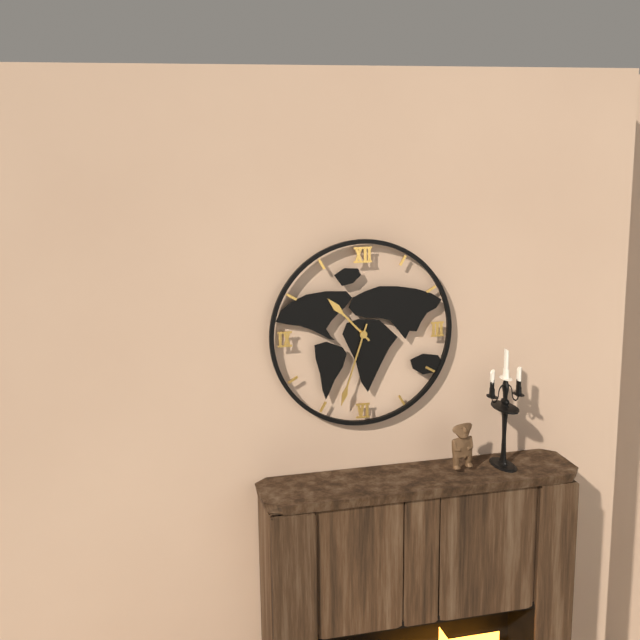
h=10 m=33
